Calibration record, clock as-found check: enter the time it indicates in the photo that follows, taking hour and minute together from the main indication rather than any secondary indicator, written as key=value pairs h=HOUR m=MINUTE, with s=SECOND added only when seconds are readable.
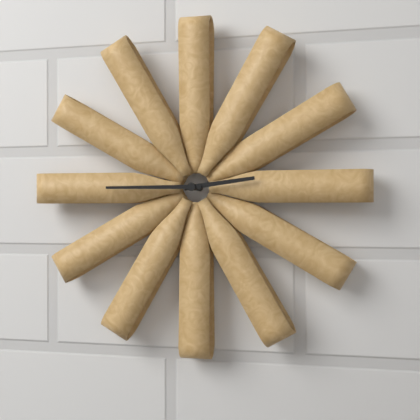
h=2 m=45
